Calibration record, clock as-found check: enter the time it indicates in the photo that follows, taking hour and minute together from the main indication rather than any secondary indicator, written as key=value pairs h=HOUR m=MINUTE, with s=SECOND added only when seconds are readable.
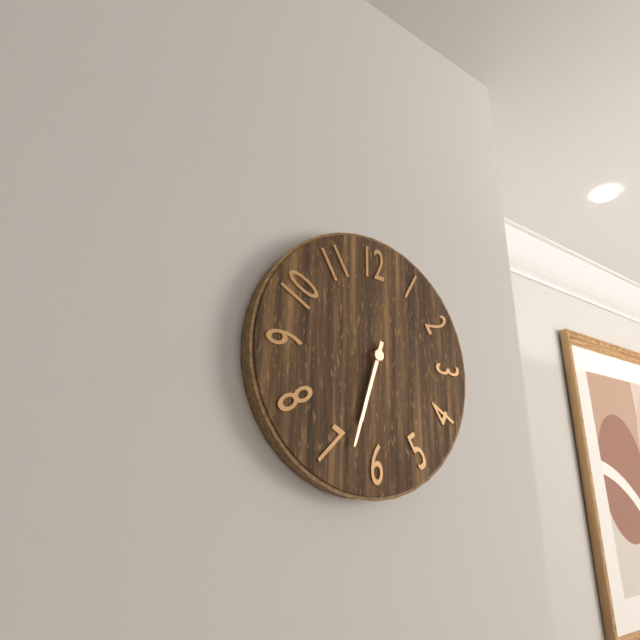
h=6 m=33
